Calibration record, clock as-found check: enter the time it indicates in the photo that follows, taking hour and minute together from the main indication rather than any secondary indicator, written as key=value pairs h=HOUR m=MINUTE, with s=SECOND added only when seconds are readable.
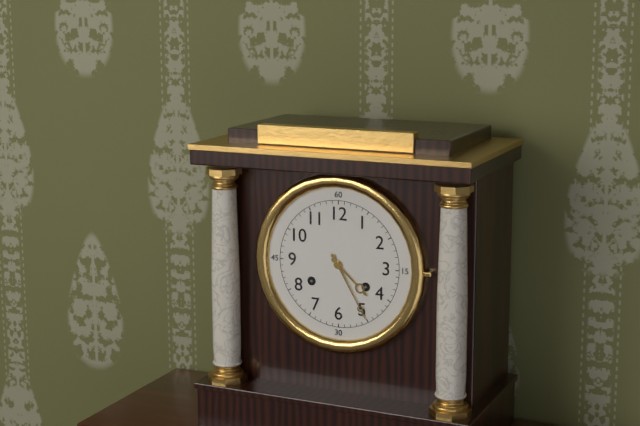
h=4 m=25
